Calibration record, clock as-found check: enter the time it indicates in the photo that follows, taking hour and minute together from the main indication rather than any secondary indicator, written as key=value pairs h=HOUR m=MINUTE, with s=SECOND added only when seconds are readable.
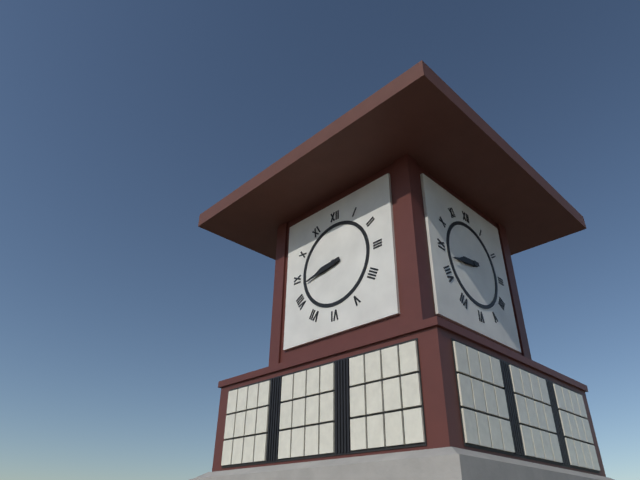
h=8 m=43
